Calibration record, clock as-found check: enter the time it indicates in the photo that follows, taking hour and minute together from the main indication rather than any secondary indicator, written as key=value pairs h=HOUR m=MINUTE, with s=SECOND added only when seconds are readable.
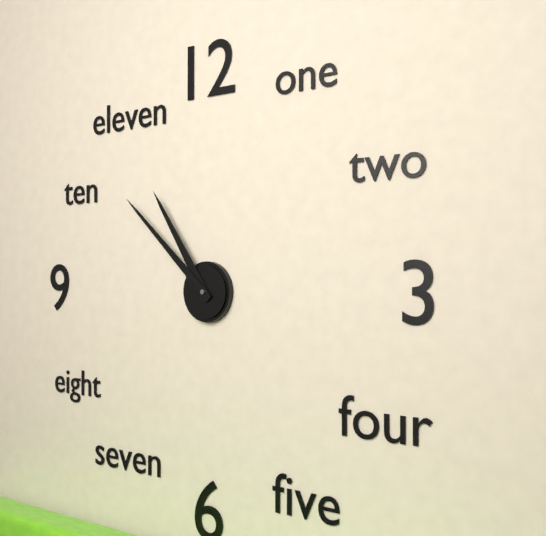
h=10 m=52
